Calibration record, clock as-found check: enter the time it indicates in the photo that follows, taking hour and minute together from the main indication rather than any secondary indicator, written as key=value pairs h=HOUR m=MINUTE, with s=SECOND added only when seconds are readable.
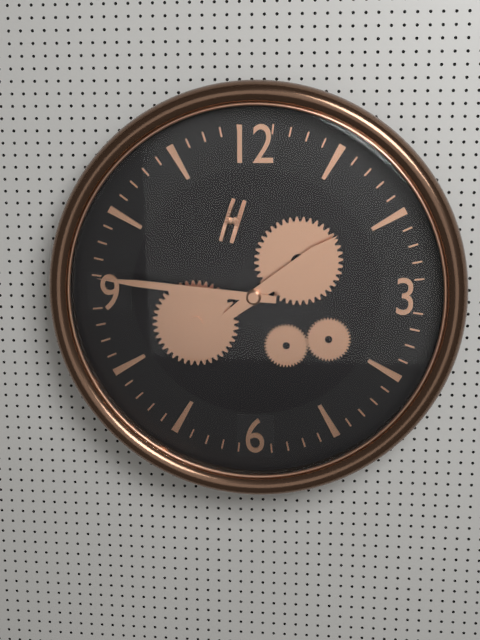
h=1 m=46
